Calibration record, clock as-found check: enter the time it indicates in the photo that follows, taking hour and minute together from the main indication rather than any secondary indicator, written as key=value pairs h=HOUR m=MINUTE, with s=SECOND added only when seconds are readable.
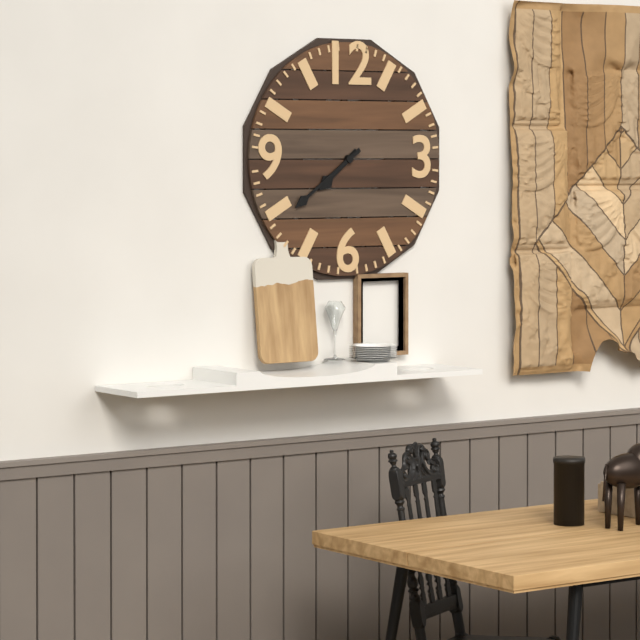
h=7 m=39
